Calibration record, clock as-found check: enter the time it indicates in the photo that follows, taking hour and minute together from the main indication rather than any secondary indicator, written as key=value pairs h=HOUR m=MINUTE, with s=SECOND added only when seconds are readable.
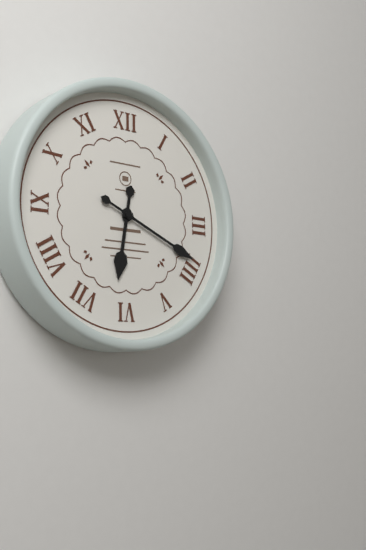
h=6 m=19
